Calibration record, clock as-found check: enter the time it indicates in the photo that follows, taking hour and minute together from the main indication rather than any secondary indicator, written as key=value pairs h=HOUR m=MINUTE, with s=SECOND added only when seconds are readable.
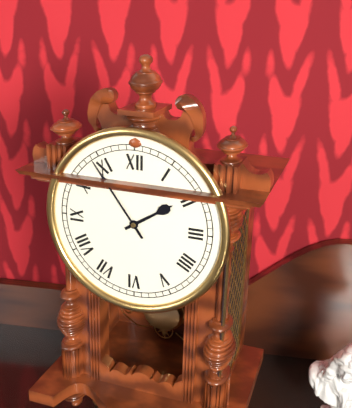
h=1 m=54
